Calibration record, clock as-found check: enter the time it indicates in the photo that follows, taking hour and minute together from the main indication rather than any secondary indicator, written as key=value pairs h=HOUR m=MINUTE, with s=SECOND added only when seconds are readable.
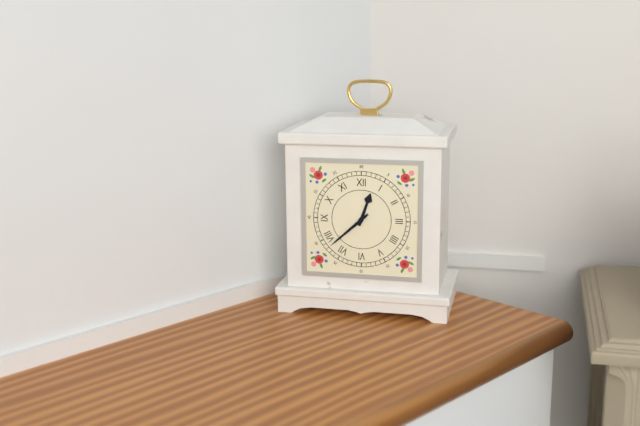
h=12 m=38
